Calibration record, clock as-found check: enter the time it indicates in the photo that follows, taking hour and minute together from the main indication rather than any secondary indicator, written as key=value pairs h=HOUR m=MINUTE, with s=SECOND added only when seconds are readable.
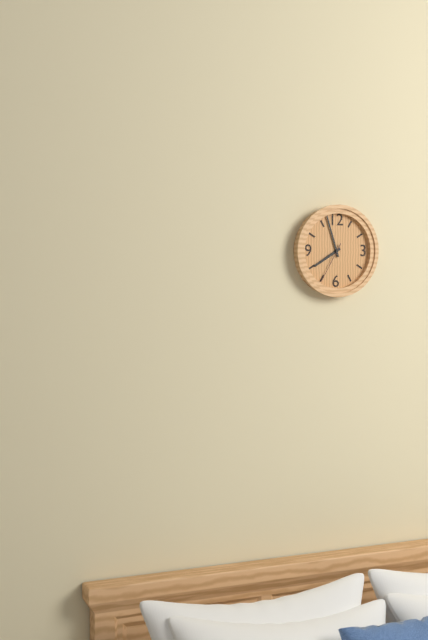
h=7 m=57
